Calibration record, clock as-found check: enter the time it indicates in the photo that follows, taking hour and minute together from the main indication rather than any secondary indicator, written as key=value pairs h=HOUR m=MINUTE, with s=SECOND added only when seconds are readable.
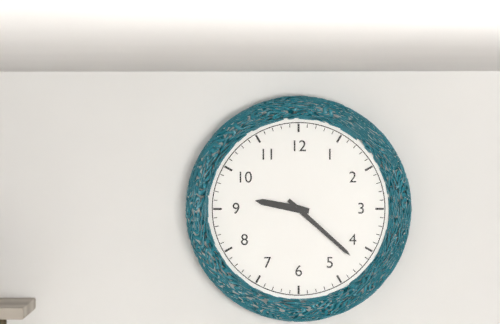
h=9 m=22
